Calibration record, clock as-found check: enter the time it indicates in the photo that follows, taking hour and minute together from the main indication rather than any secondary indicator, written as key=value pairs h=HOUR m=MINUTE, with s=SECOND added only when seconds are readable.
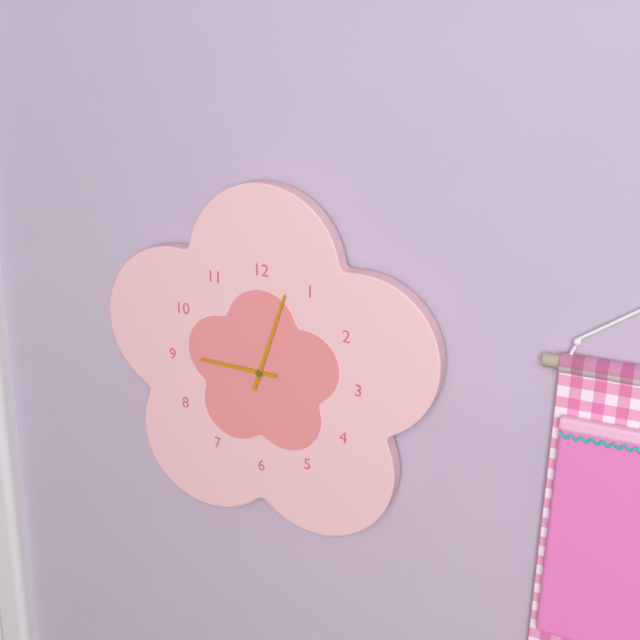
h=9 m=3
